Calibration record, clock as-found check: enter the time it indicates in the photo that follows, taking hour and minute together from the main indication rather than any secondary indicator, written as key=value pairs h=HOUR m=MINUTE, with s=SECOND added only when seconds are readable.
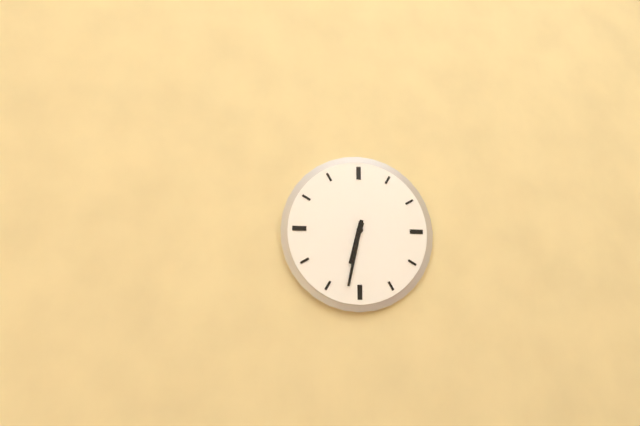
h=6 m=32
